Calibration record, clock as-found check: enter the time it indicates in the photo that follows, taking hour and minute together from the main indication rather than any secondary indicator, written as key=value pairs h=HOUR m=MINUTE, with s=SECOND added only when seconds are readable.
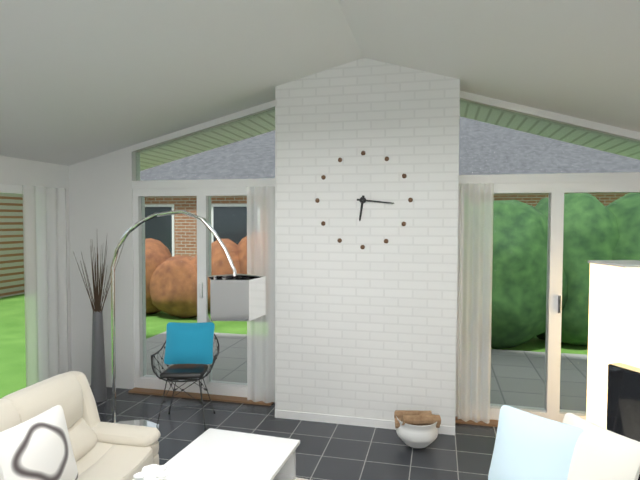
h=6 m=16
